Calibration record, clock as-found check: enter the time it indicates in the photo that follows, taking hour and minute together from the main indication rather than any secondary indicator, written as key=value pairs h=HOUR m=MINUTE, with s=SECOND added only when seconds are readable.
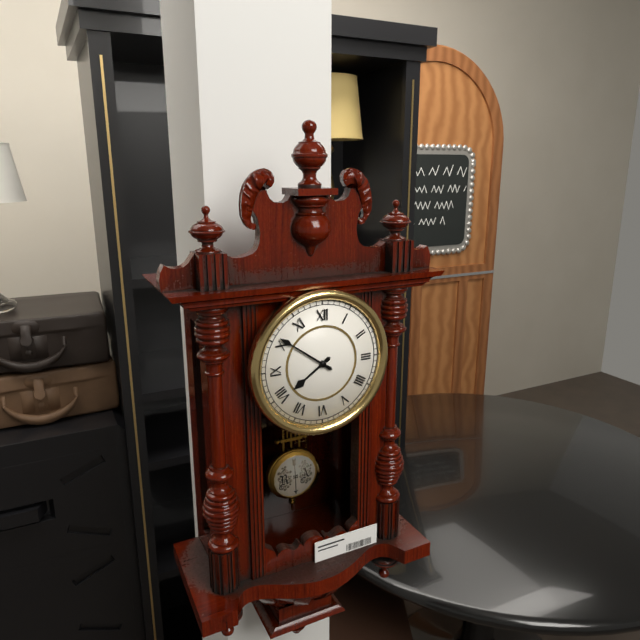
h=7 m=51
